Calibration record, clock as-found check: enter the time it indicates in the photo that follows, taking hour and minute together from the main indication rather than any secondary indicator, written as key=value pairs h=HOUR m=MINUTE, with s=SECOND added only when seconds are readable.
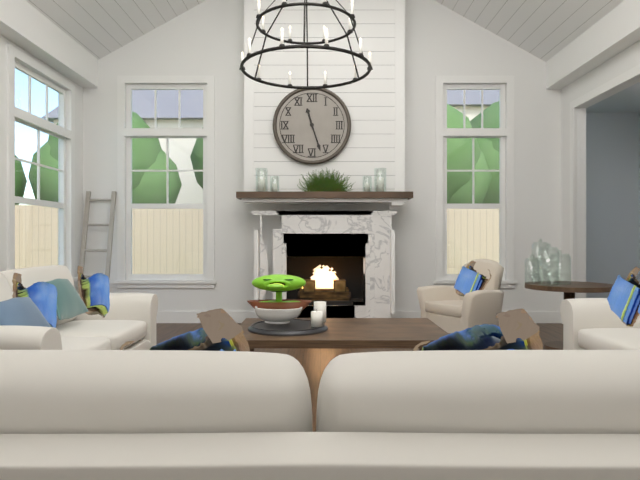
h=11 m=27
